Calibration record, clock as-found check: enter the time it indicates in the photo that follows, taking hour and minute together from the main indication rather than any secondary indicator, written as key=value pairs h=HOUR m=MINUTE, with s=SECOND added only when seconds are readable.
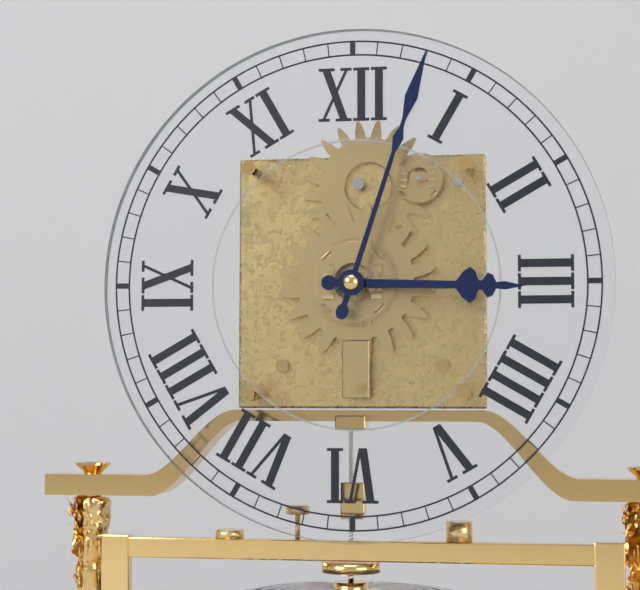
h=3 m=3
